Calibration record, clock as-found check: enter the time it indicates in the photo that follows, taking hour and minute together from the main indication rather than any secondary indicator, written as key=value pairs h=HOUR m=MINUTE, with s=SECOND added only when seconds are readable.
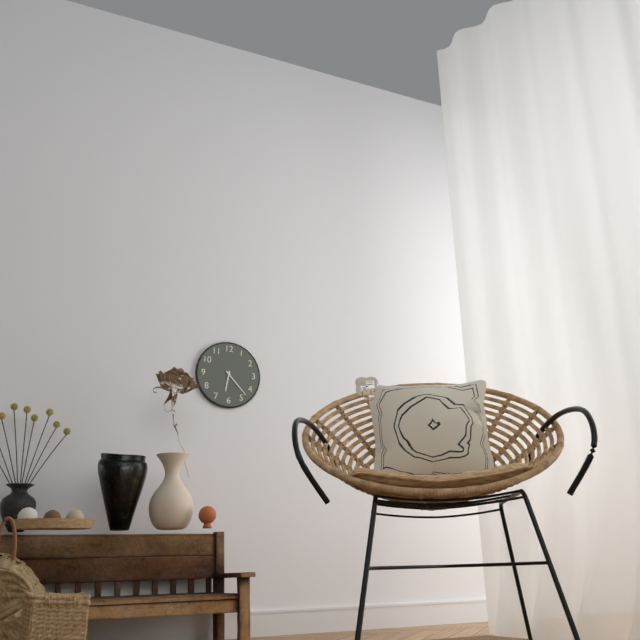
h=6 m=23
